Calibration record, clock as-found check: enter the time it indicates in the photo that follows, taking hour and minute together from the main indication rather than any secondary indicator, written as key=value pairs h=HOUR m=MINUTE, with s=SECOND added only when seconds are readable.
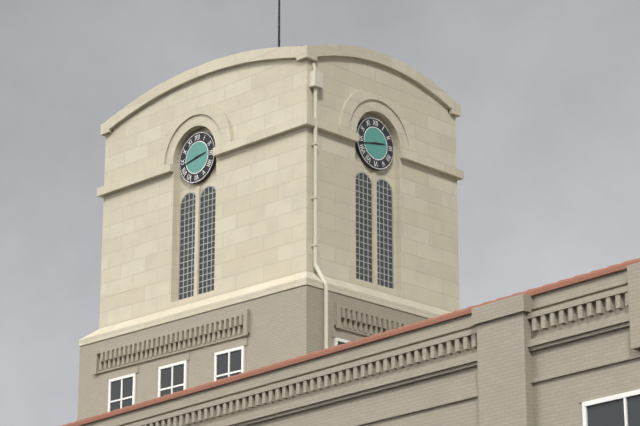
h=2 m=43
